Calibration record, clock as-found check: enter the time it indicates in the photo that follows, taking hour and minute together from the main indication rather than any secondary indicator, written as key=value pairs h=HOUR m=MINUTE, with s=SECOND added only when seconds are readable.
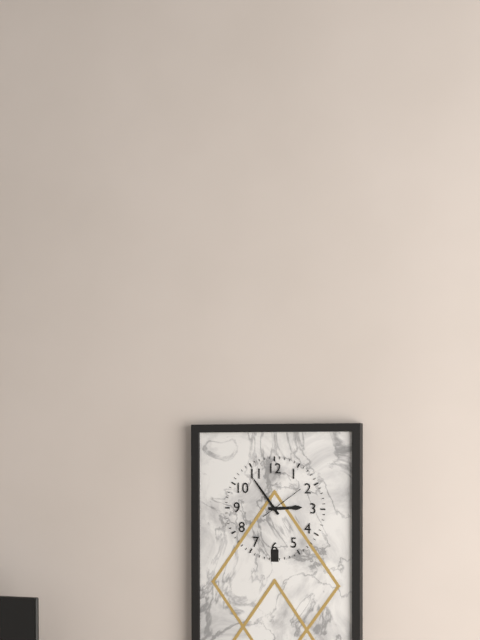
h=2 m=54
